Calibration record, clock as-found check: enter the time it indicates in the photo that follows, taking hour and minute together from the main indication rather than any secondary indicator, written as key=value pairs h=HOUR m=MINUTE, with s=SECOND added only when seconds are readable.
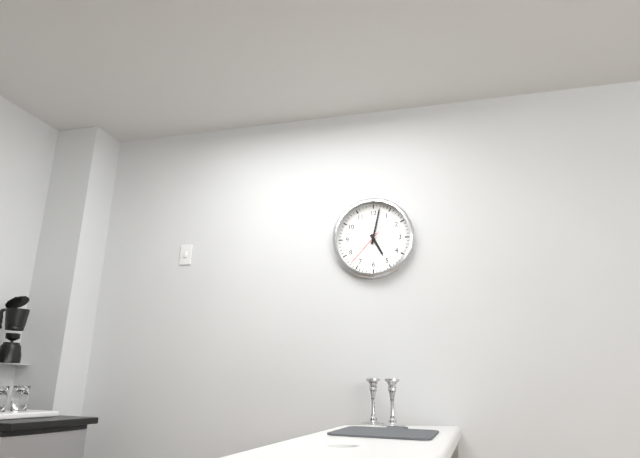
h=5 m=2
